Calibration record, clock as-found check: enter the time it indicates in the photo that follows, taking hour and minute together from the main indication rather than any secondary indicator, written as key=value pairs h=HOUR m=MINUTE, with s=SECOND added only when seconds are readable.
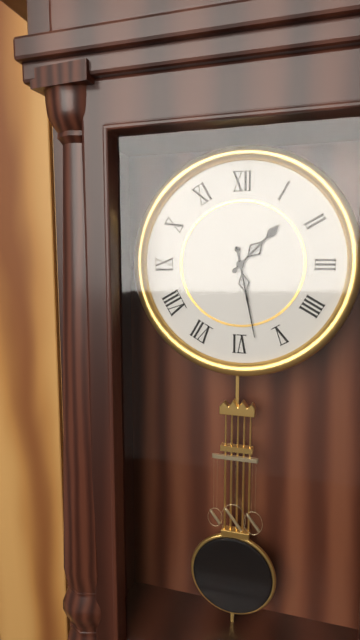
h=1 m=28
